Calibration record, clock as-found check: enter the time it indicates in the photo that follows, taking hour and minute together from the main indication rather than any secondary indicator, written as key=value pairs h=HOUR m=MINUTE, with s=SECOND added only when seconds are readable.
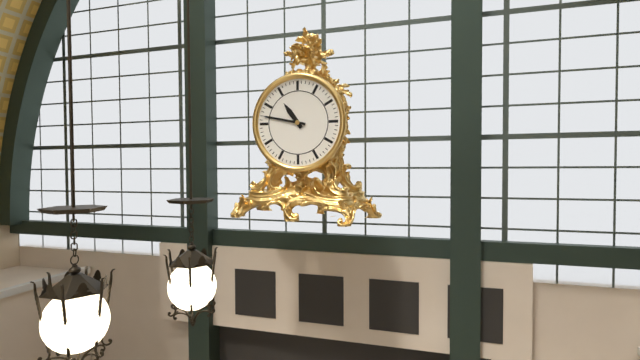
h=10 m=47
